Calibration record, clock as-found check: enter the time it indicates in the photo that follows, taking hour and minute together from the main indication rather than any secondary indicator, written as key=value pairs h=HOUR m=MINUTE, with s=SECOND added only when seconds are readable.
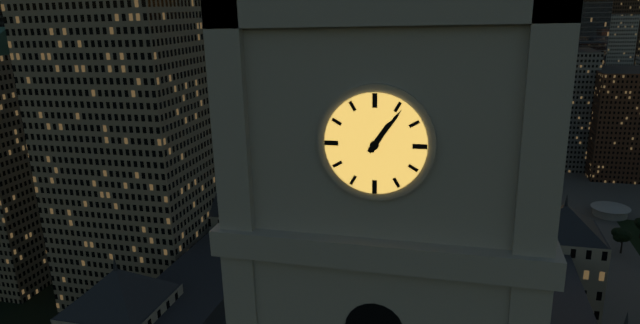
h=1 m=6
